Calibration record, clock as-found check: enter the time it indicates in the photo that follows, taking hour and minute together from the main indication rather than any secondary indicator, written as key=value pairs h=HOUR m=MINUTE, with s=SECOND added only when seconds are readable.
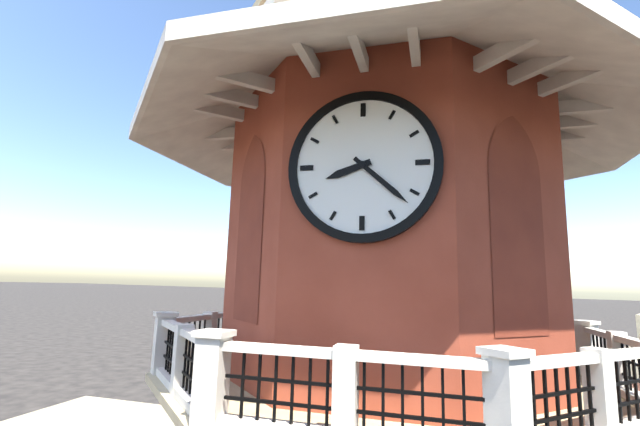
h=8 m=22
